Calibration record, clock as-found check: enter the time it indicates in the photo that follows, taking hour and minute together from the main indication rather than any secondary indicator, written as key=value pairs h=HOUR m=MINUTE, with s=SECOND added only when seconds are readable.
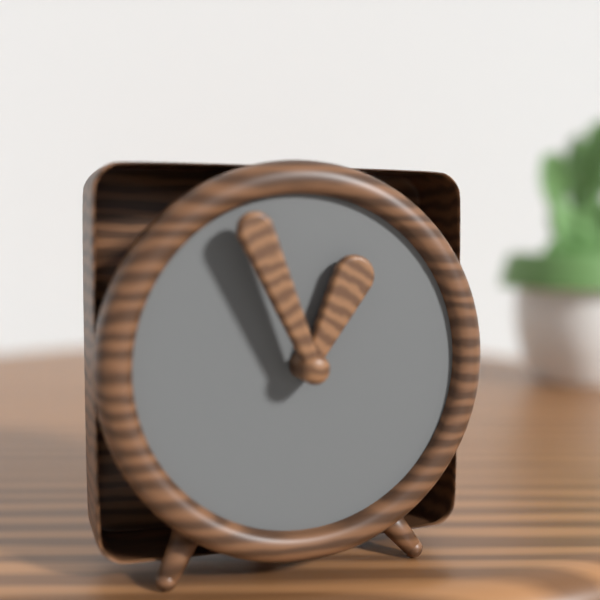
h=12 m=56
